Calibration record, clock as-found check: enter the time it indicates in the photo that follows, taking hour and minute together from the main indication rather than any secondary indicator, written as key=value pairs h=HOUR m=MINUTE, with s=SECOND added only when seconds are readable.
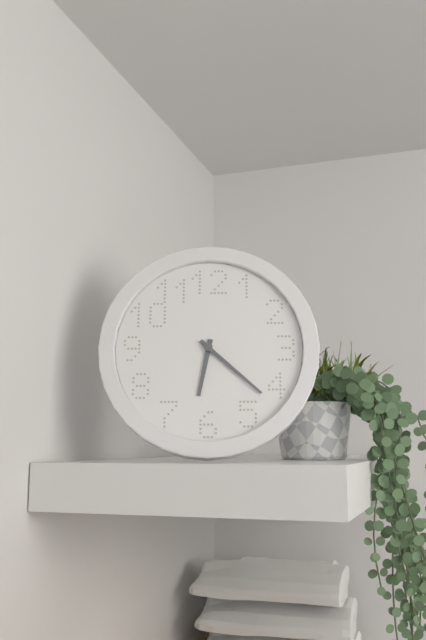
h=6 m=22
